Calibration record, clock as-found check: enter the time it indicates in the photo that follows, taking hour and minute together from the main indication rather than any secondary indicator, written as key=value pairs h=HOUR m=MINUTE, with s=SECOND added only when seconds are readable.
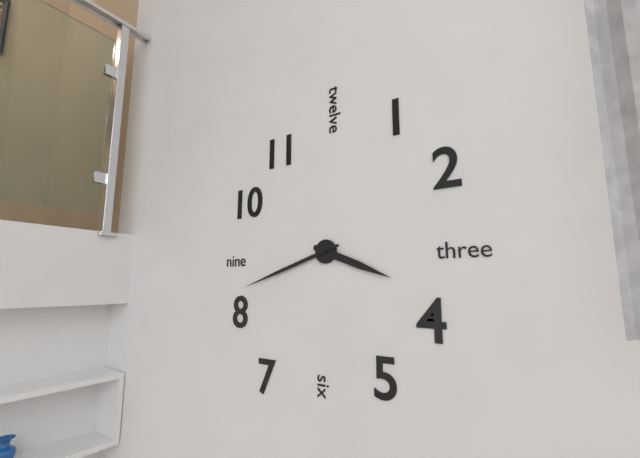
h=3 m=42
